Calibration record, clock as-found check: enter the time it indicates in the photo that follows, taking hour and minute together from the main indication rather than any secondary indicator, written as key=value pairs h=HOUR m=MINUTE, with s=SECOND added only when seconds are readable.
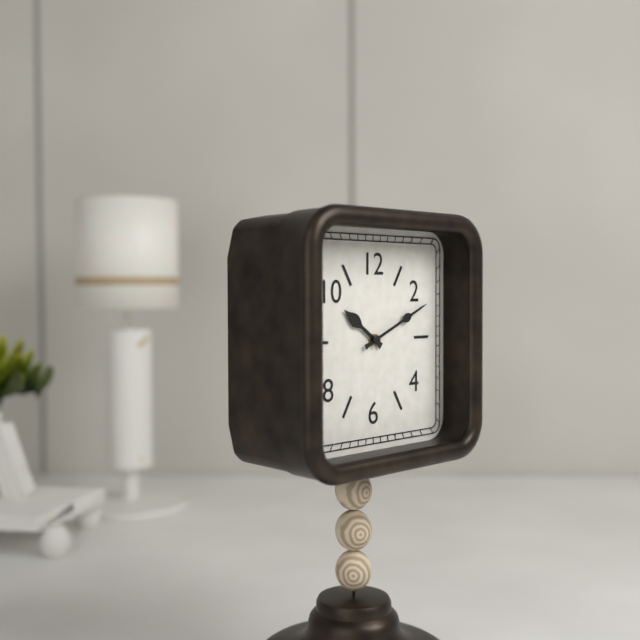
h=10 m=11
